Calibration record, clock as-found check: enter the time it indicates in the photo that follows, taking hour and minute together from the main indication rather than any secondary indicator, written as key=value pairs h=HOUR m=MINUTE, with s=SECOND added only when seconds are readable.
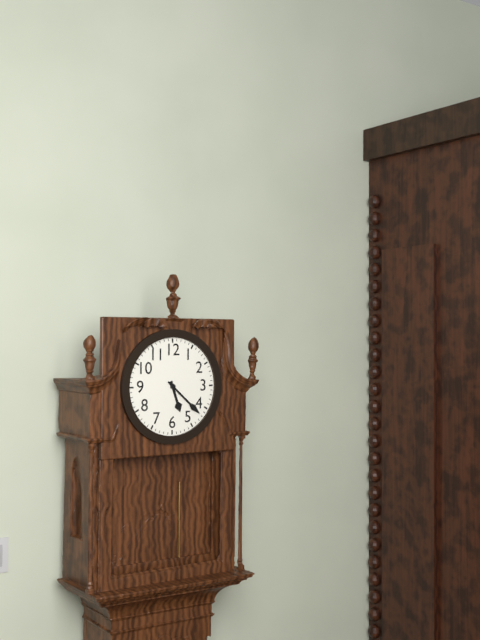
h=5 m=22
